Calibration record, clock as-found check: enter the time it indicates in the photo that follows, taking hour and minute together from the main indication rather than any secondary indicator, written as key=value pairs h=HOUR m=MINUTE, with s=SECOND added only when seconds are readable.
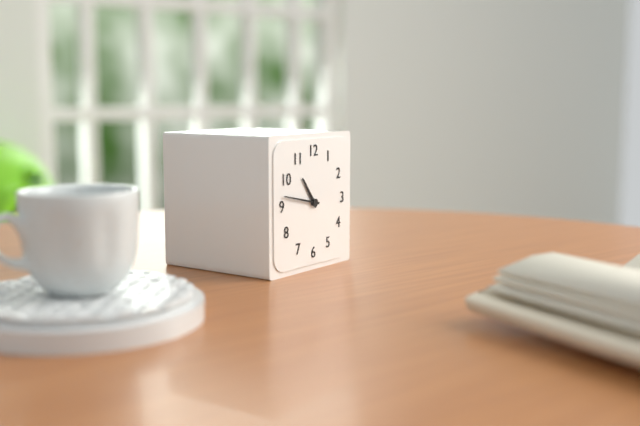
h=10 m=47
